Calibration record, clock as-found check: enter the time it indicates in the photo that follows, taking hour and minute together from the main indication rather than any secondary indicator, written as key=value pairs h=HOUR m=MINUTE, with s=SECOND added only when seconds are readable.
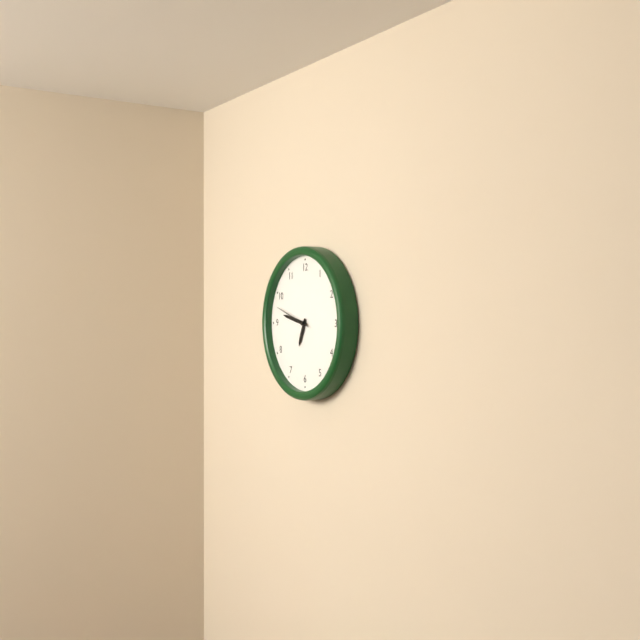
h=6 m=47
